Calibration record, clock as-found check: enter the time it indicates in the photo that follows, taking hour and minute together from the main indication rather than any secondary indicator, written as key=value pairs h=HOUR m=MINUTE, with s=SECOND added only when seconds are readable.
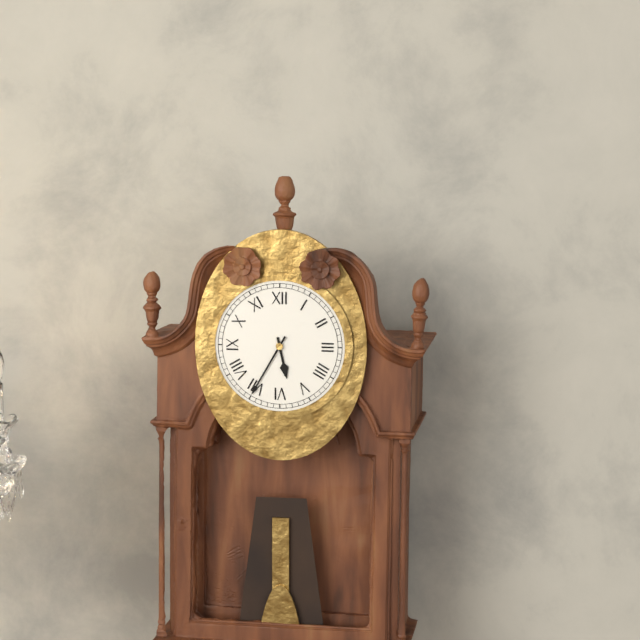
h=5 m=35
